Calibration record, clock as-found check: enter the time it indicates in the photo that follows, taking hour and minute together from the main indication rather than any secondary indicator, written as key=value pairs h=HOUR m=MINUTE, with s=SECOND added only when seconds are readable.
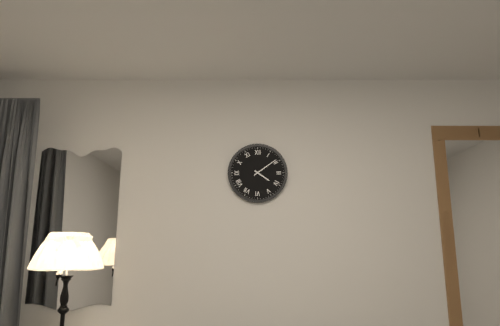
h=4 m=9
